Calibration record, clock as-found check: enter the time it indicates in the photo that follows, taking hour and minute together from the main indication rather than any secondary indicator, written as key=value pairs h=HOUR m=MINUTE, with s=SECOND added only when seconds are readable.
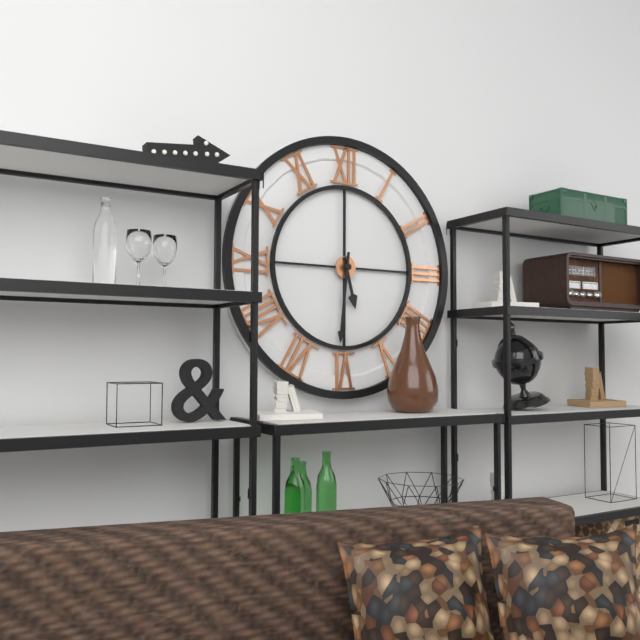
h=5 m=31
